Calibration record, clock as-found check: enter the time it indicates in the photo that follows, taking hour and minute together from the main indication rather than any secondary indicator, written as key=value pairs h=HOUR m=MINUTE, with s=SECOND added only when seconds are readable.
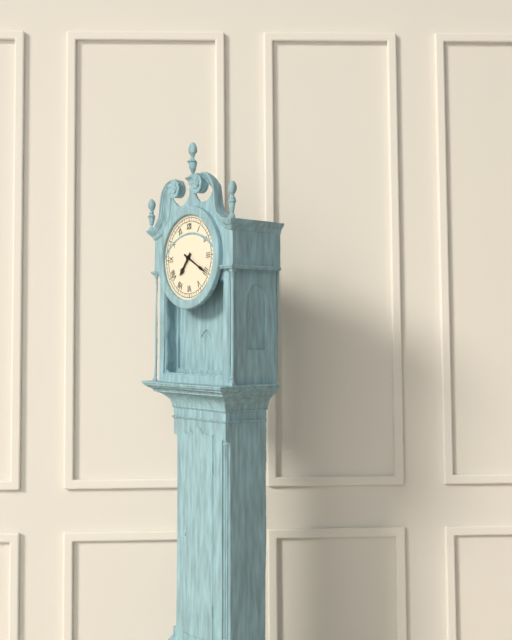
h=7 m=20
